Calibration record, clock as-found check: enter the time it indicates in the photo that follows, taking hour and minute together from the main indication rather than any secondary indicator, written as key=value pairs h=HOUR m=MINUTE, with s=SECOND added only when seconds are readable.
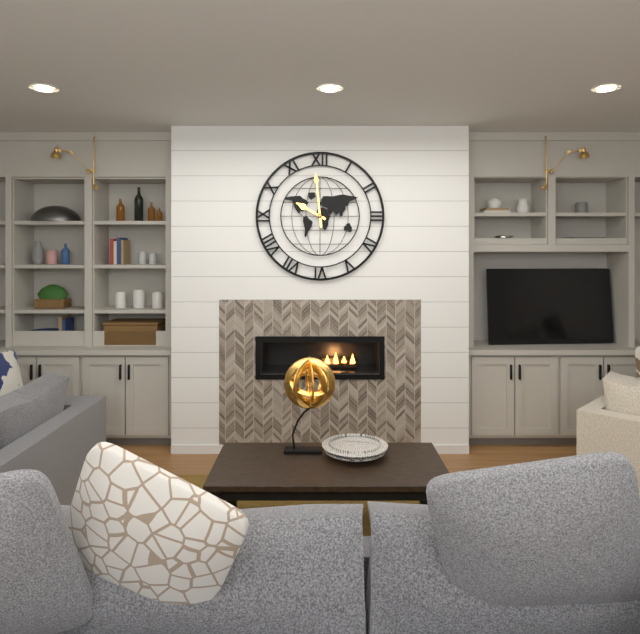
h=9 m=59
